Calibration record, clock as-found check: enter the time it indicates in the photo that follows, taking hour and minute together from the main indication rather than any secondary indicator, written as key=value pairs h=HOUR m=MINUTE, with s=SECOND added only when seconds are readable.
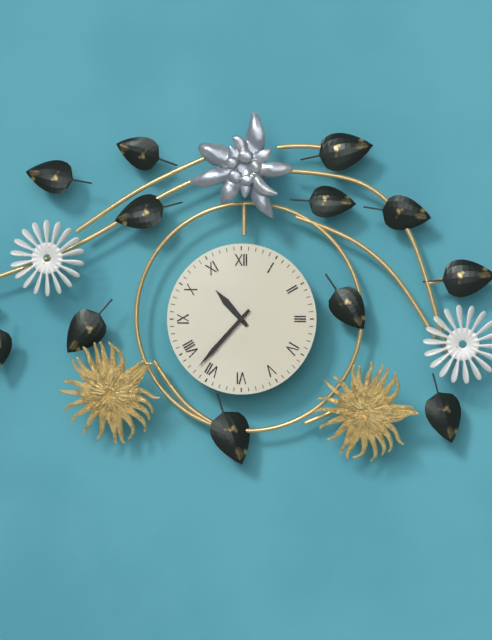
h=10 m=37
